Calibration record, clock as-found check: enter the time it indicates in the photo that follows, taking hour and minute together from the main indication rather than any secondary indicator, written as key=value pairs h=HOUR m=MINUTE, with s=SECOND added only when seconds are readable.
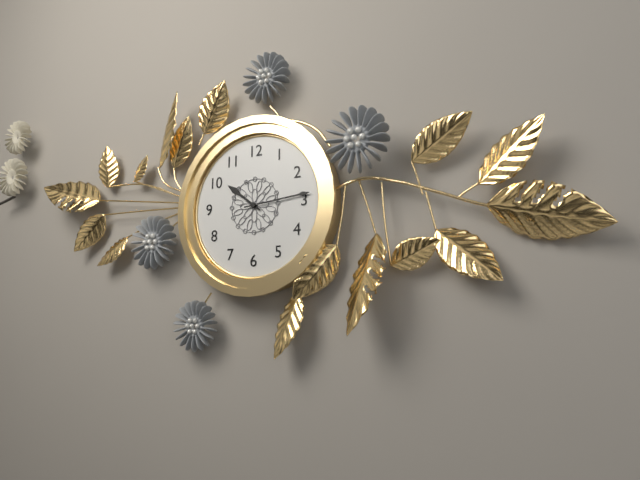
h=10 m=14
